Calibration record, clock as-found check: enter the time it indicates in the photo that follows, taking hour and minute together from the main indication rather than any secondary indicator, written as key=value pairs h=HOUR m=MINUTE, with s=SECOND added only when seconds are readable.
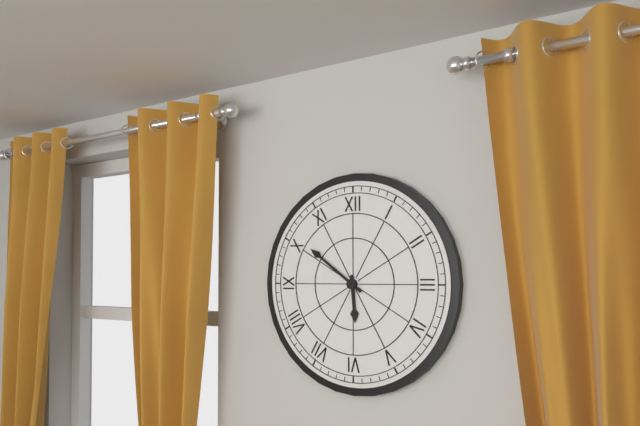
h=5 m=51
